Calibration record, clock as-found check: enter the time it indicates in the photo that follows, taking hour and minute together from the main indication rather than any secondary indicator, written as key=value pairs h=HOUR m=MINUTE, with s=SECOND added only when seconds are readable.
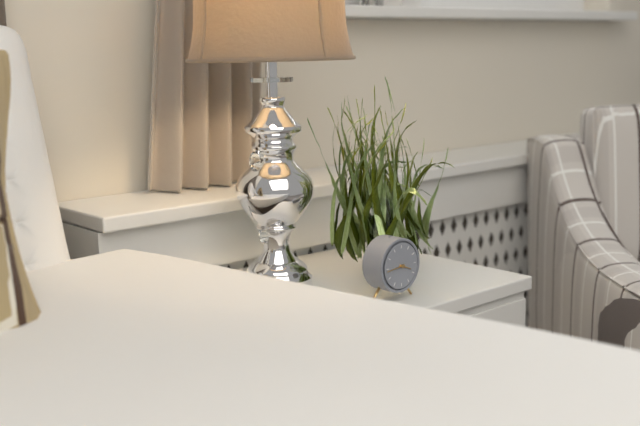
h=3 m=44
